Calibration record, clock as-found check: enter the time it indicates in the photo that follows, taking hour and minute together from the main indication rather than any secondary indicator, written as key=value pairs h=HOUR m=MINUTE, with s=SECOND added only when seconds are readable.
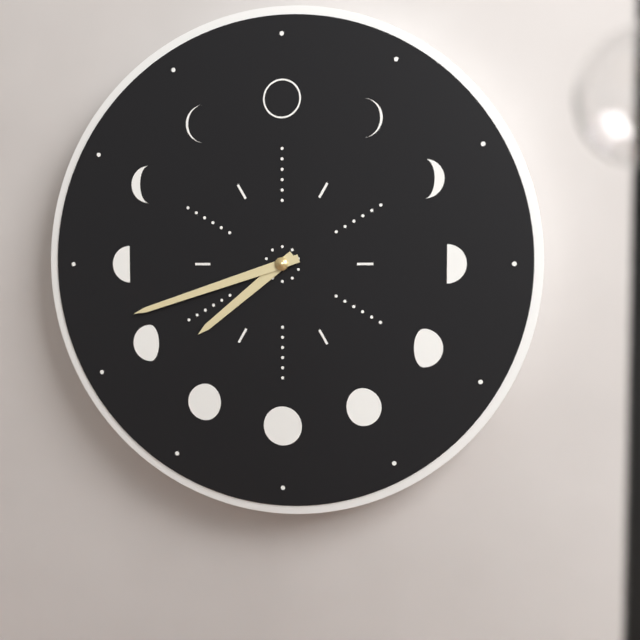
h=7 m=42
